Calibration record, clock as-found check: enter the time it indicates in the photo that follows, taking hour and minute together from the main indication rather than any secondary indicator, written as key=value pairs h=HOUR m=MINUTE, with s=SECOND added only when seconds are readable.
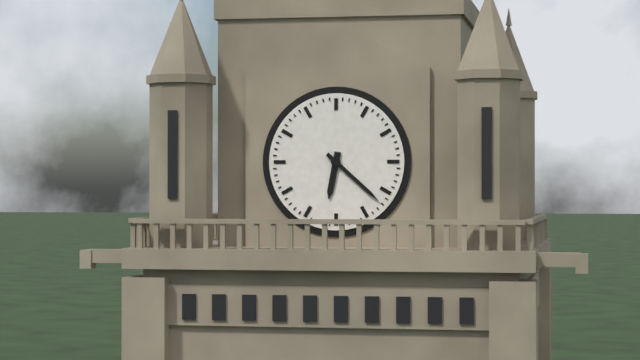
h=6 m=22
